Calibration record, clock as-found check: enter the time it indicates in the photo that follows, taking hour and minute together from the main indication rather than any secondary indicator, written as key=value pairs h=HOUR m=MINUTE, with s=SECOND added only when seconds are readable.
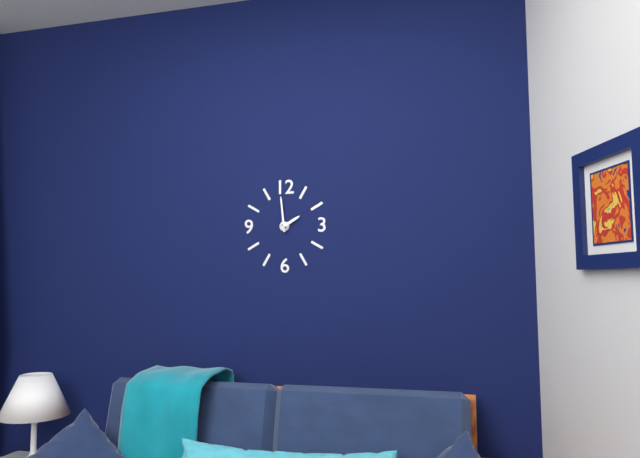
h=1 m=59
